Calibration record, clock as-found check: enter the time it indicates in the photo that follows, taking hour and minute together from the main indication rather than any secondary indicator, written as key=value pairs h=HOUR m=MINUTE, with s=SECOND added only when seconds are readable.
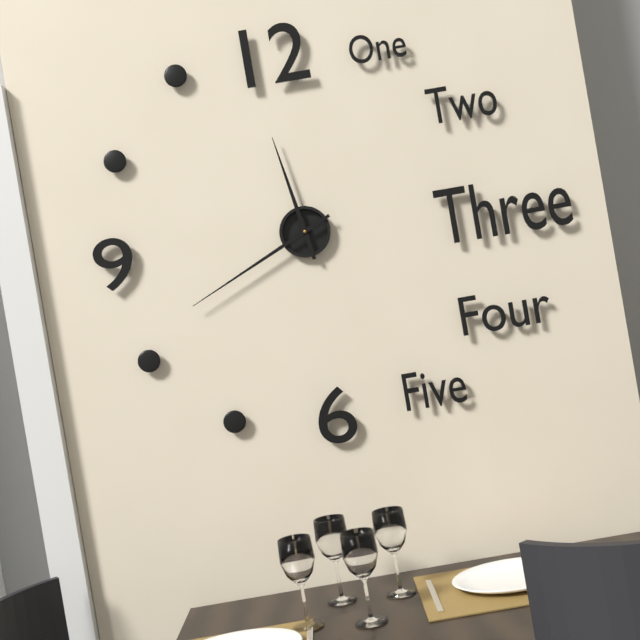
h=11 m=41
